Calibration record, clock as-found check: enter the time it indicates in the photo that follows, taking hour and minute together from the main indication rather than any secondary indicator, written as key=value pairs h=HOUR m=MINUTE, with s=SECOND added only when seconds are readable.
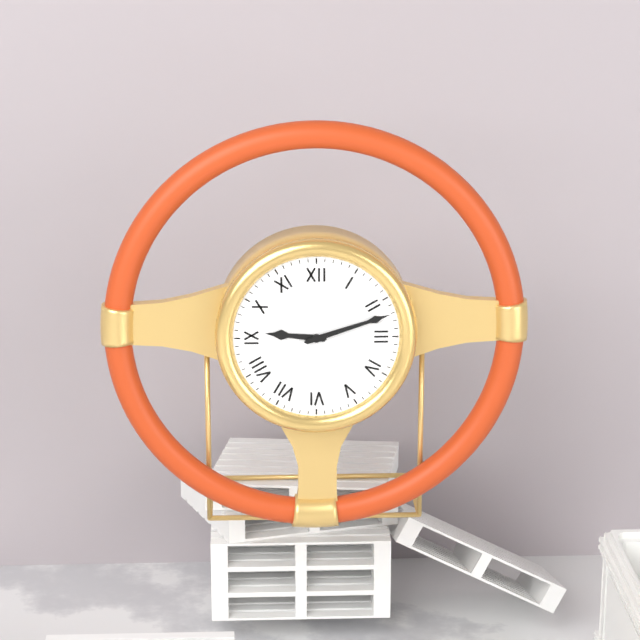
h=9 m=12
